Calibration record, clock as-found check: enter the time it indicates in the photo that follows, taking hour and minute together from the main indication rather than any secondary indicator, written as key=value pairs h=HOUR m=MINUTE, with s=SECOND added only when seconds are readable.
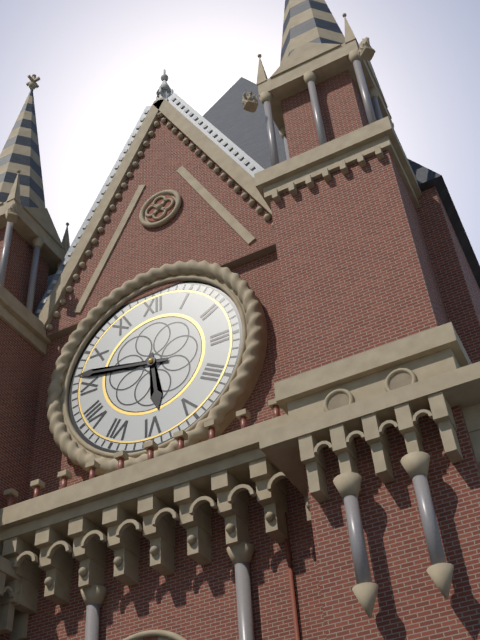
h=5 m=47
